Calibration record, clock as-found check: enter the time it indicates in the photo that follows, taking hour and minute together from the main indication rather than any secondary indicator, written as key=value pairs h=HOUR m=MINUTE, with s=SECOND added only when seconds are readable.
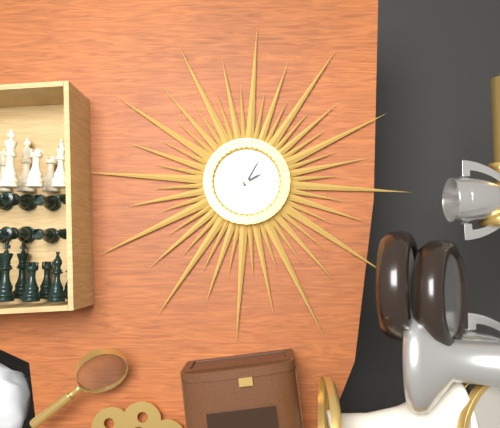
h=2 m=5
